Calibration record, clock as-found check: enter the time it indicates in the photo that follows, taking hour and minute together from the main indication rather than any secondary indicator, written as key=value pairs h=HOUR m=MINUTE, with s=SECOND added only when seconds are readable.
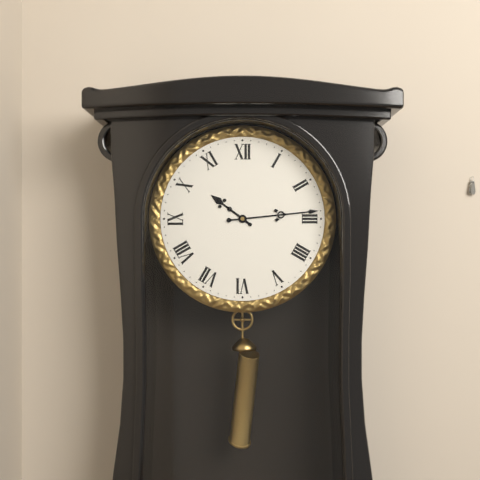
h=10 m=14
